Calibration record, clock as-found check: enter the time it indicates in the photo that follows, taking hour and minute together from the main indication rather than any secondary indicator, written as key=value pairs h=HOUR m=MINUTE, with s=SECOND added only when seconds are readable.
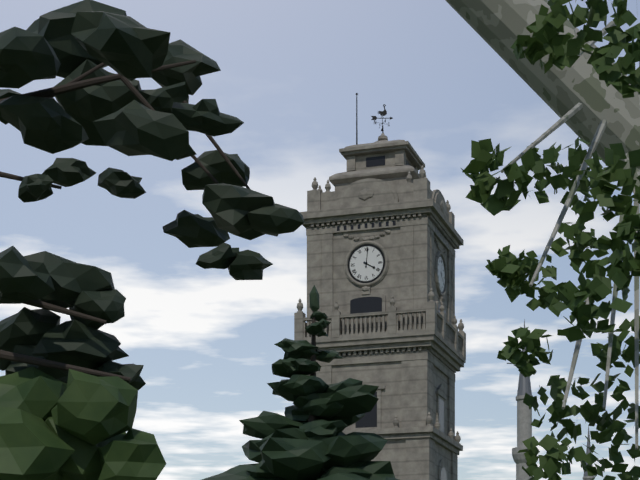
h=4 m=1
